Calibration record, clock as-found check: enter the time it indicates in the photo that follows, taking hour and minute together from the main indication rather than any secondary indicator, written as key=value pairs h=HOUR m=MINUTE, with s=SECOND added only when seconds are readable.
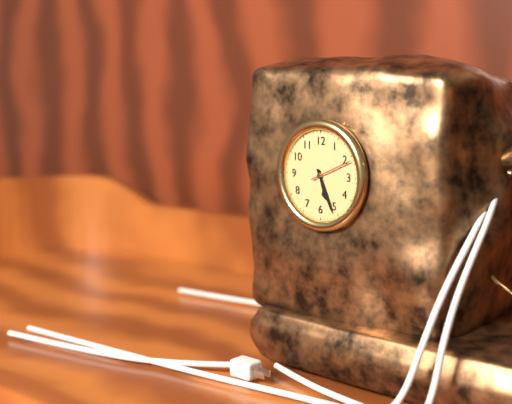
h=5 m=26
